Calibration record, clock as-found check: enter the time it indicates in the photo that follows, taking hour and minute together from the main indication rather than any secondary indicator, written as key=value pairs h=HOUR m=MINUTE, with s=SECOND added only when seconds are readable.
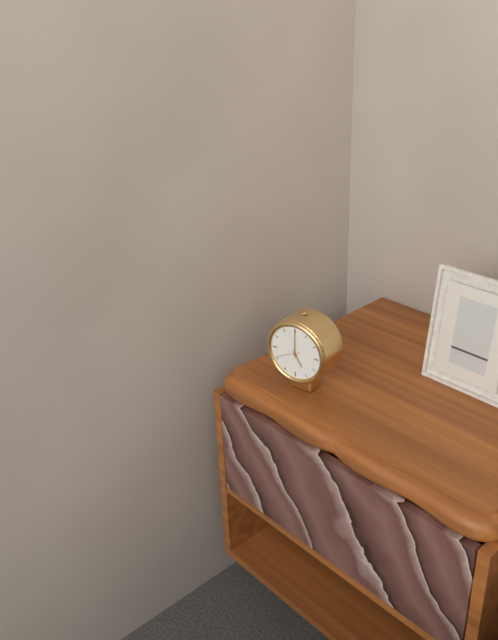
h=5 m=0
